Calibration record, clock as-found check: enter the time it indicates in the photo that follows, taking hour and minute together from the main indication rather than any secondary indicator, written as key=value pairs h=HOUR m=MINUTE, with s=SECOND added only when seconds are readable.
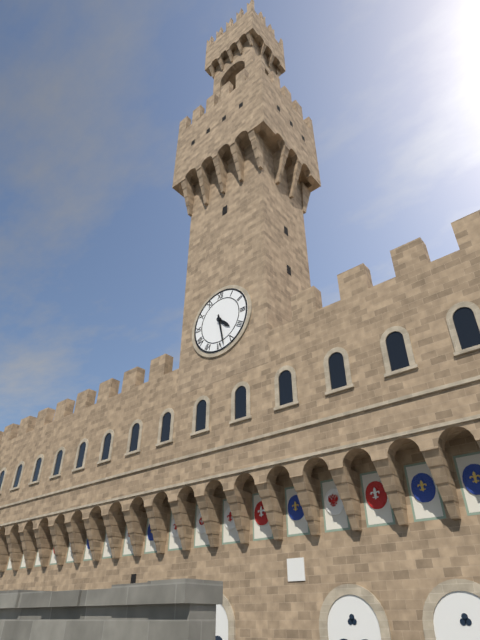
h=4 m=28
